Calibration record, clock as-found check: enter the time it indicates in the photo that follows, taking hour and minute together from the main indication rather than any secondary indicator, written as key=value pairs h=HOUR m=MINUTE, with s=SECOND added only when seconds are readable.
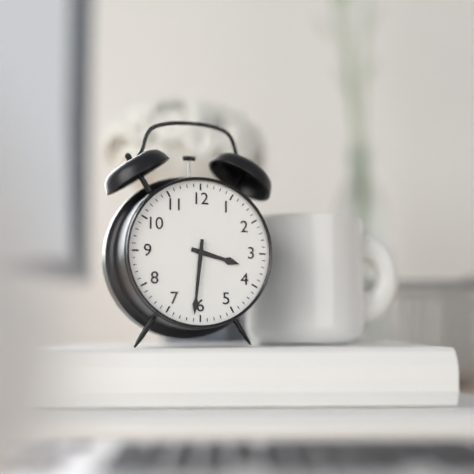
h=3 m=31
